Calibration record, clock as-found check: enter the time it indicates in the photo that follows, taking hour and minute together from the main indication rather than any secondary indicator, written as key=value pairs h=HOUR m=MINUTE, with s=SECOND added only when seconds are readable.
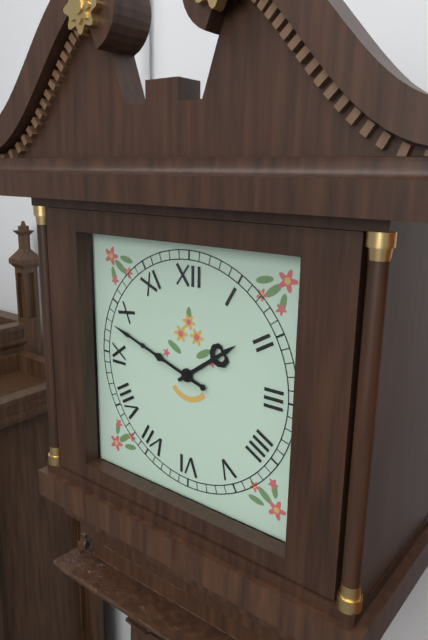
h=1 m=48
